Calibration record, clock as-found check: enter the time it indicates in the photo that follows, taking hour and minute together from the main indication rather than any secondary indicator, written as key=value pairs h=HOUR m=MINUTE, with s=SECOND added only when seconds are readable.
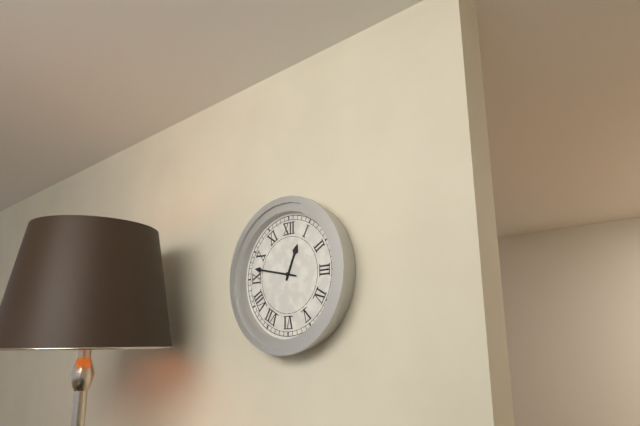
h=12 m=47
